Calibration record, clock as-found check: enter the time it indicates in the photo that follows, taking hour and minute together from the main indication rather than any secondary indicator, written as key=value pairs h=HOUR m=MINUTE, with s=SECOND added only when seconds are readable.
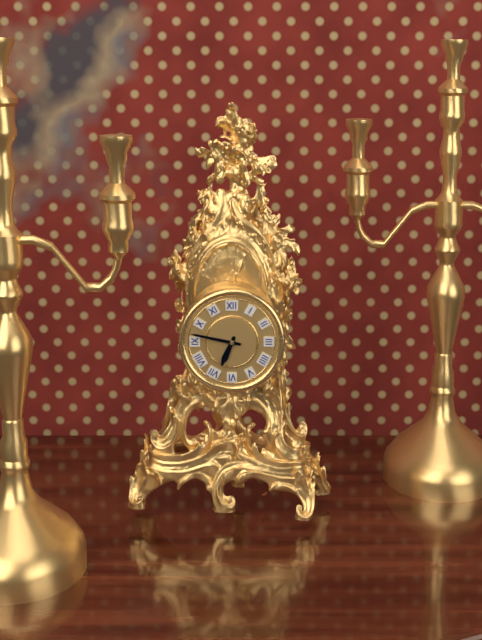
h=6 m=47
